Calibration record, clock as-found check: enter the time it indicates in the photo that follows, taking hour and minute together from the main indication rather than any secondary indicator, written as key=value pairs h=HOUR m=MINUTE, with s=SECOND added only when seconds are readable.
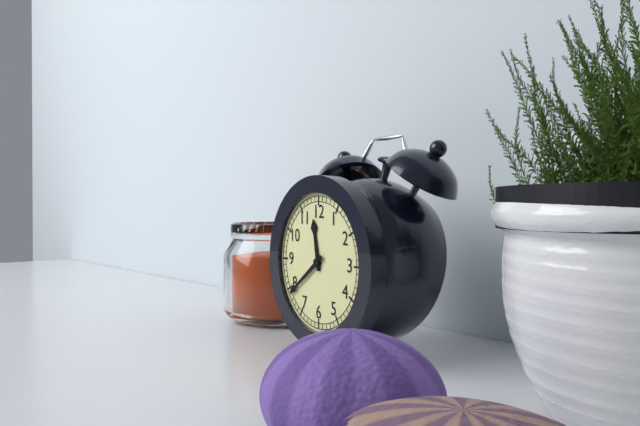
h=11 m=39
